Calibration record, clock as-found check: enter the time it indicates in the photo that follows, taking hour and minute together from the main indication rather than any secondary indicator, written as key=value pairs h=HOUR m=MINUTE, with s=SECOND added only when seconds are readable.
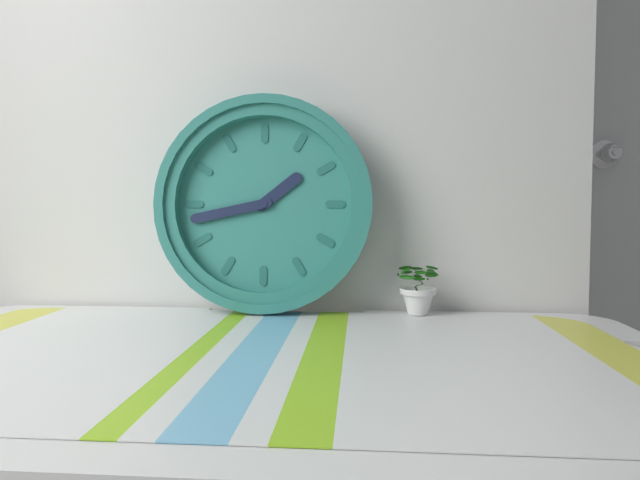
h=1 m=43
